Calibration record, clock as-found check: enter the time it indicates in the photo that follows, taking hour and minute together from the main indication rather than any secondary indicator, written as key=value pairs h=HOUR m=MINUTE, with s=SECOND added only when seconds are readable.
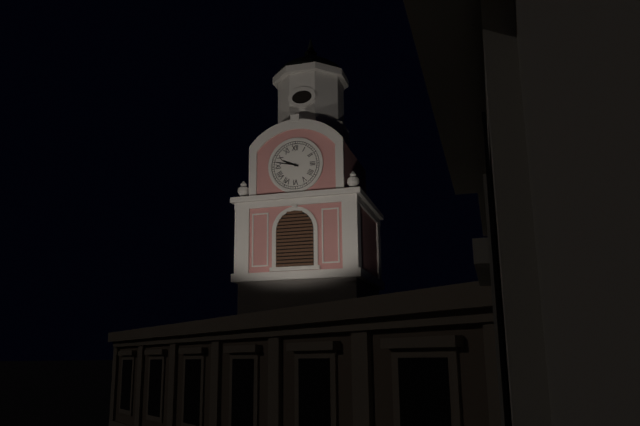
h=9 m=47
